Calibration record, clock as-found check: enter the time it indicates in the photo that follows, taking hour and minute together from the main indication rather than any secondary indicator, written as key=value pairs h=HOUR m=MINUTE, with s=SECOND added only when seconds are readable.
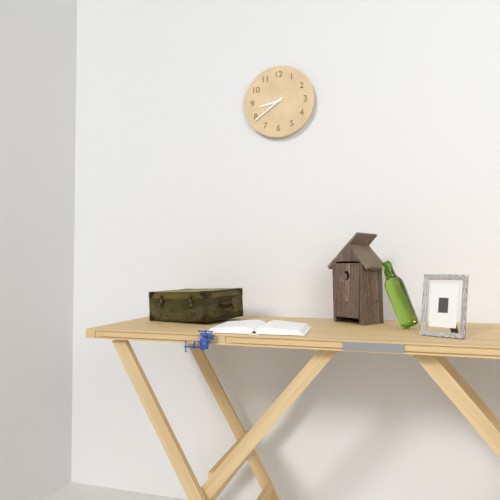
h=8 m=39
